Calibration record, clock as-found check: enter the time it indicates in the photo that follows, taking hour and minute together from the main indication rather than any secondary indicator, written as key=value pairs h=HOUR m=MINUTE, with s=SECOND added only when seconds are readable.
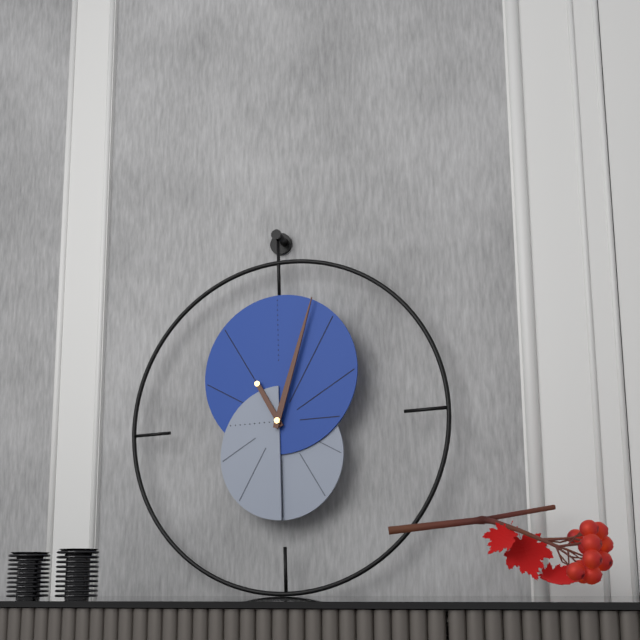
h=11 m=3
